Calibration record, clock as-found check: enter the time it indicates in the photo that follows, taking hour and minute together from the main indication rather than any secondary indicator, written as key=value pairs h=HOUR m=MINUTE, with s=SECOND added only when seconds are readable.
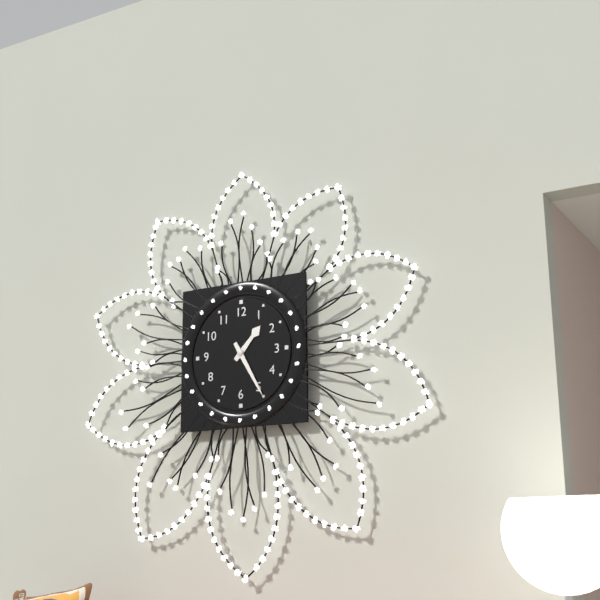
h=1 m=25
